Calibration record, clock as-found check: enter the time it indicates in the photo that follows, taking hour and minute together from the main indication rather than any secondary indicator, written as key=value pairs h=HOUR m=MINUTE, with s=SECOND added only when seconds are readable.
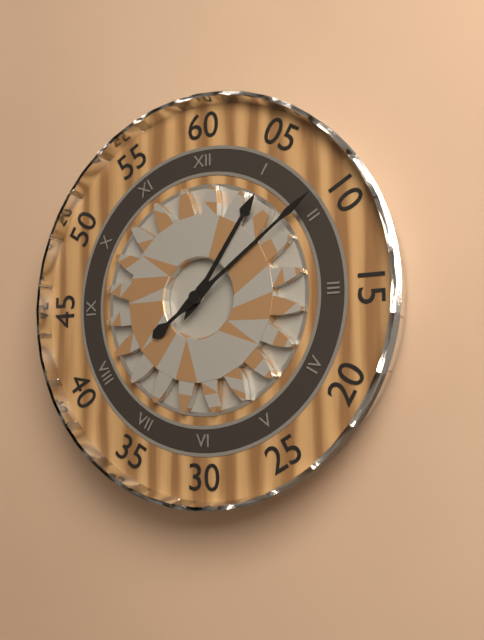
h=1 m=9
